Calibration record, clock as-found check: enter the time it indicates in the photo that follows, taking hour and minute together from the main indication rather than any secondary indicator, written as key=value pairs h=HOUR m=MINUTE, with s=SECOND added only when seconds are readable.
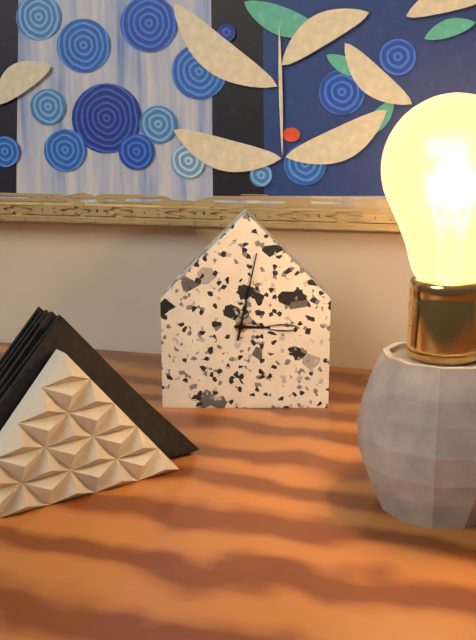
h=3 m=2
